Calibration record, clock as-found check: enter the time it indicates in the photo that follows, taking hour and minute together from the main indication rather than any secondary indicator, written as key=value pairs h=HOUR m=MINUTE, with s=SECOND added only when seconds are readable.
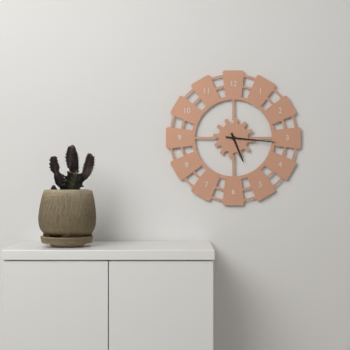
h=5 m=16
